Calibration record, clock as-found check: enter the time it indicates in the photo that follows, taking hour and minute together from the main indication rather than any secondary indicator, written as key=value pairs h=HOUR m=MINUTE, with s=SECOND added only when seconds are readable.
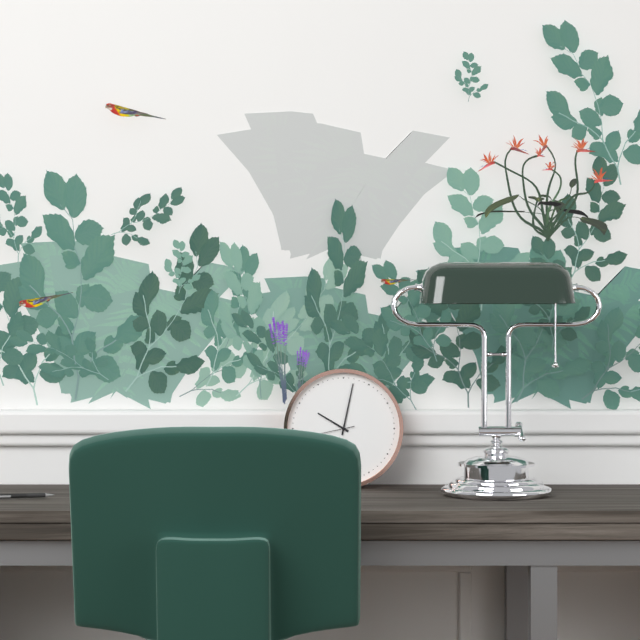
h=10 m=2
